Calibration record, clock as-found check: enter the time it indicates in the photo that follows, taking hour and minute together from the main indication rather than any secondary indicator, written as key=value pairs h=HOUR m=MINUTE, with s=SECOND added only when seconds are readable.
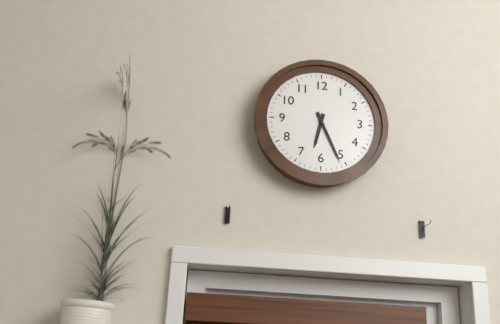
h=6 m=26
